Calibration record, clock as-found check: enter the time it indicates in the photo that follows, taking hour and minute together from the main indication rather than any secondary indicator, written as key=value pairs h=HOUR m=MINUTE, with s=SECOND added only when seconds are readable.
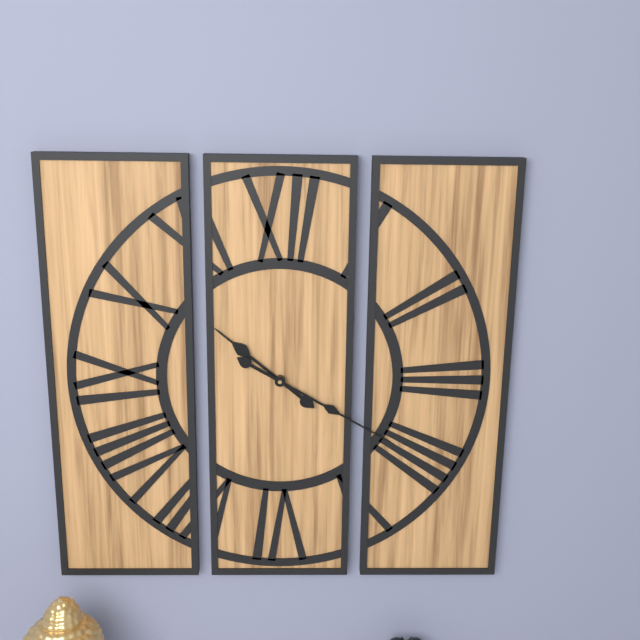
h=10 m=20
